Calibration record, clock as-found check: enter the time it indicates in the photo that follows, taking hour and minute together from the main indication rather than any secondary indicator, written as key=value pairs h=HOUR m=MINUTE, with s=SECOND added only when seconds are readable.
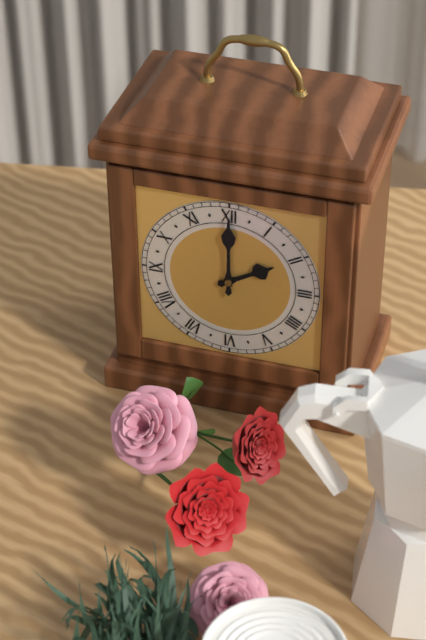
h=2 m=0
